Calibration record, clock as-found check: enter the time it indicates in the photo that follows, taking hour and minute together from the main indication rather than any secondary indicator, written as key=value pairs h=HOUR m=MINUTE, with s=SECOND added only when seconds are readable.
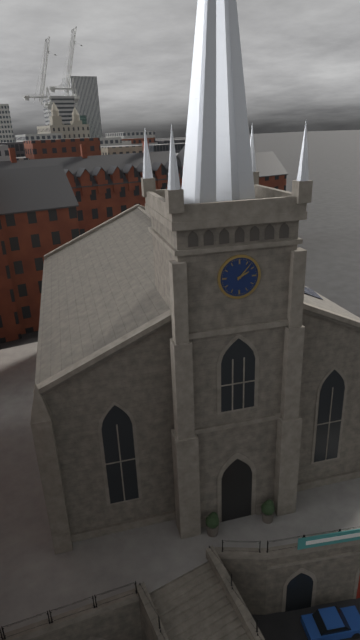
h=2 m=7
